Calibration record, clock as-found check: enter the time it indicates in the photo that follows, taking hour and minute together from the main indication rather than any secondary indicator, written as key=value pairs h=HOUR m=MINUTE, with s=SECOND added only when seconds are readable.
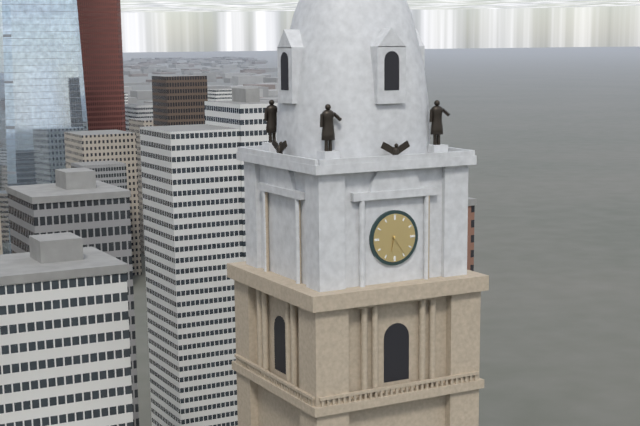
h=6 m=24
